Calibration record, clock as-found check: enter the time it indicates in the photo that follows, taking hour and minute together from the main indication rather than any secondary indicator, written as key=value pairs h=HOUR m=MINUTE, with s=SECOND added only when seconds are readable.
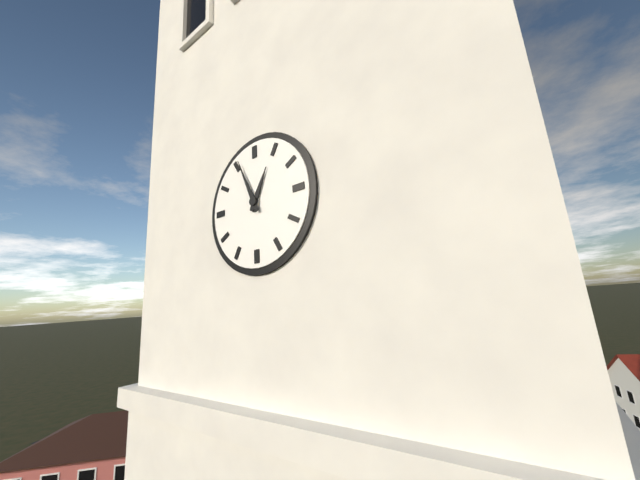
h=12 m=56
